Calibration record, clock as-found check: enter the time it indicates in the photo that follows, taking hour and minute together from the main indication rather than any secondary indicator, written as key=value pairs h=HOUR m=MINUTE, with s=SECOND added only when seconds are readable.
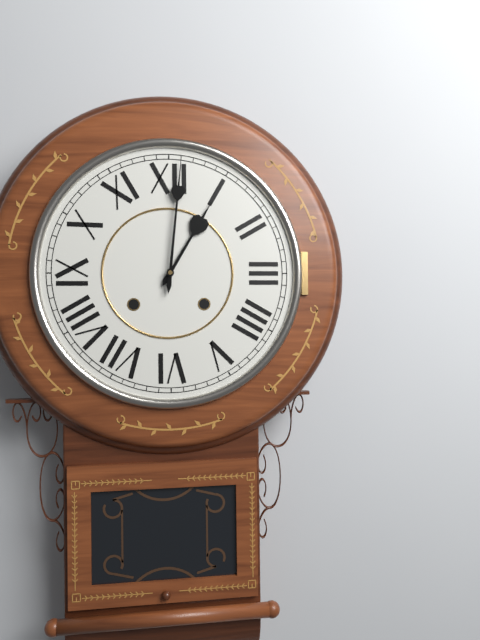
h=1 m=1
